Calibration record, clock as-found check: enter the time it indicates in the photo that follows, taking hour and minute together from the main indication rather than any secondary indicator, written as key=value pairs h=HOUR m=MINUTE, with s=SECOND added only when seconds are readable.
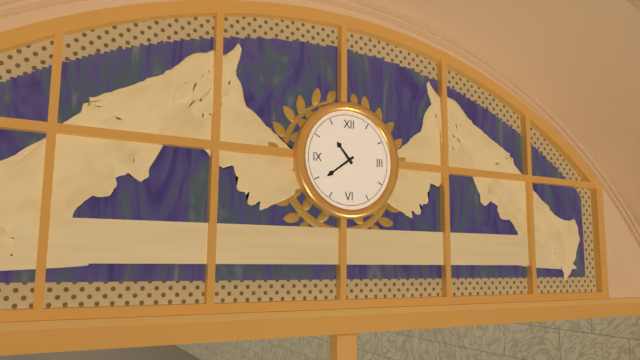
h=10 m=39
